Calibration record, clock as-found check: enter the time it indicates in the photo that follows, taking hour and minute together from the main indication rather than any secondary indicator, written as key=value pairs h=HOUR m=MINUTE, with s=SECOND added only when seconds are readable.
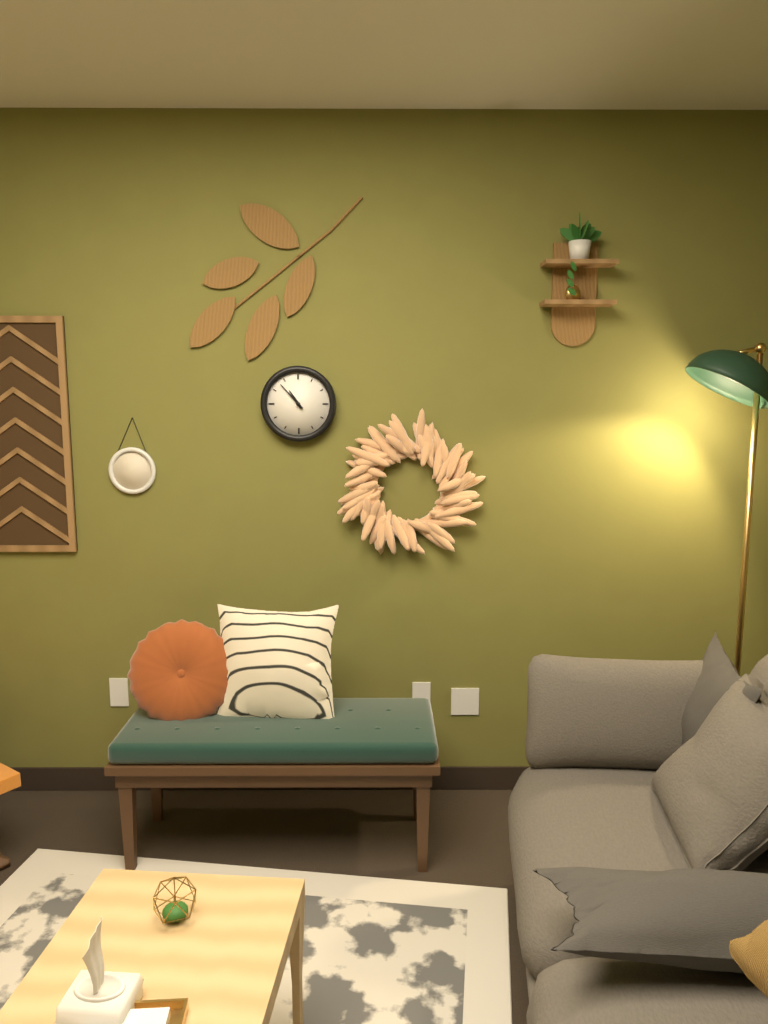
h=10 m=53
